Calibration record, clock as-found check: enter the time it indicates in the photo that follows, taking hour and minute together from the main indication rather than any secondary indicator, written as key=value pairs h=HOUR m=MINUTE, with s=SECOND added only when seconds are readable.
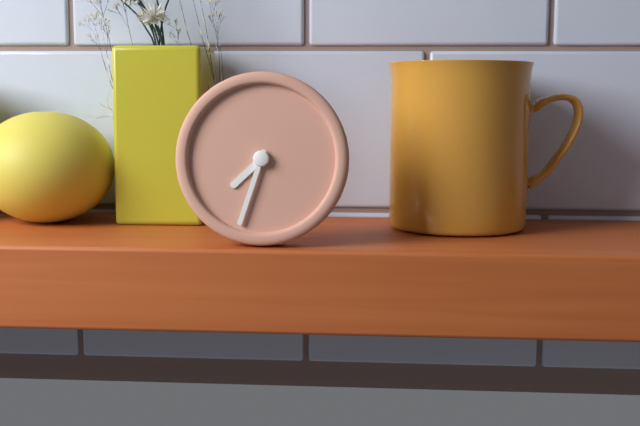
h=7 m=33
